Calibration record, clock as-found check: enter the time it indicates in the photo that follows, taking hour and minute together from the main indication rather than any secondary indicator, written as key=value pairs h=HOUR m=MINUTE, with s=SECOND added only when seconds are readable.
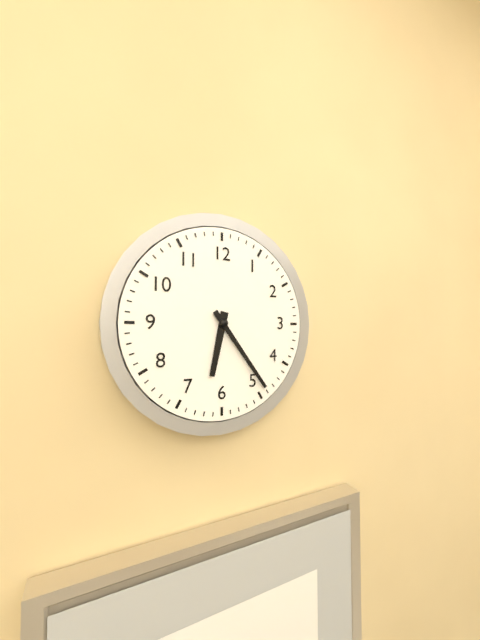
h=6 m=24
